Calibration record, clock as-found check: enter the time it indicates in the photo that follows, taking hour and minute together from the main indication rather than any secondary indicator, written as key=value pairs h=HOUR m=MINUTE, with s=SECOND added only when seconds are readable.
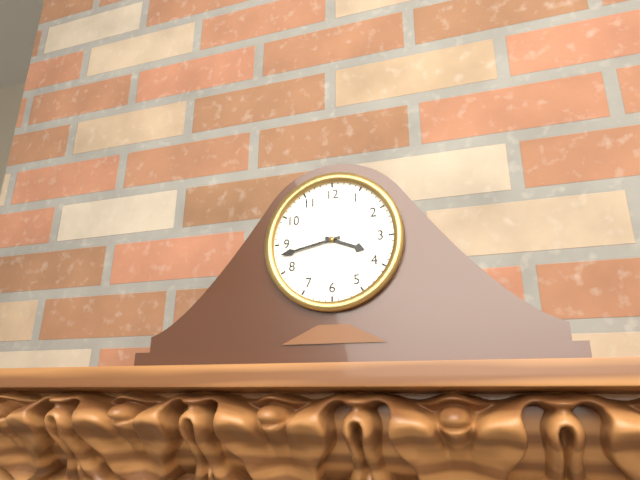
h=3 m=43
